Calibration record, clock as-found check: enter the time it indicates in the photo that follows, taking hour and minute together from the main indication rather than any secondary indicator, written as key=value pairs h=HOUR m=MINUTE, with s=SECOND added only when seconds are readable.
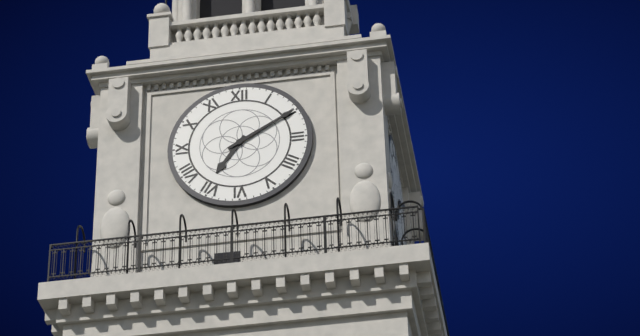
h=7 m=10
